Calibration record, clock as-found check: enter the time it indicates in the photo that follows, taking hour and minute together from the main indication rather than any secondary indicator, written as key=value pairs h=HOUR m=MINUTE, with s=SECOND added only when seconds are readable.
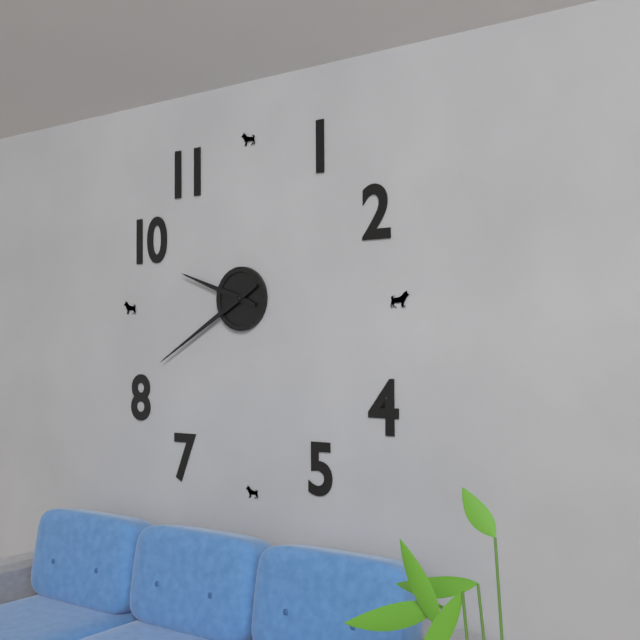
h=9 m=40
